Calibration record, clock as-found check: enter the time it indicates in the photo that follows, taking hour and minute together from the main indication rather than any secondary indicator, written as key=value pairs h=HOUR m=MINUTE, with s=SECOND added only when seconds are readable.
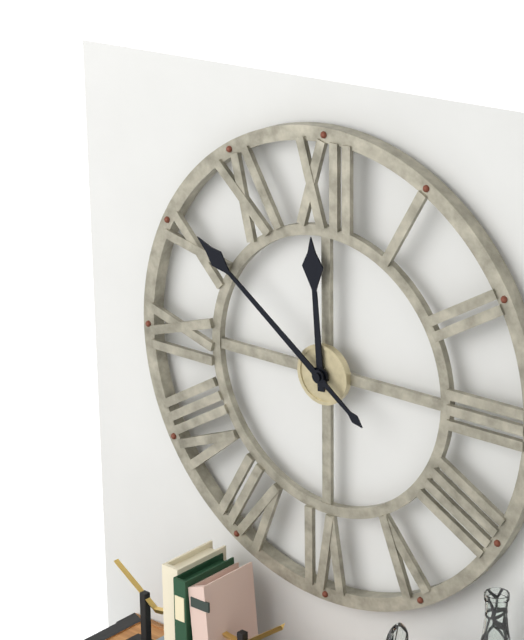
h=11 m=51
